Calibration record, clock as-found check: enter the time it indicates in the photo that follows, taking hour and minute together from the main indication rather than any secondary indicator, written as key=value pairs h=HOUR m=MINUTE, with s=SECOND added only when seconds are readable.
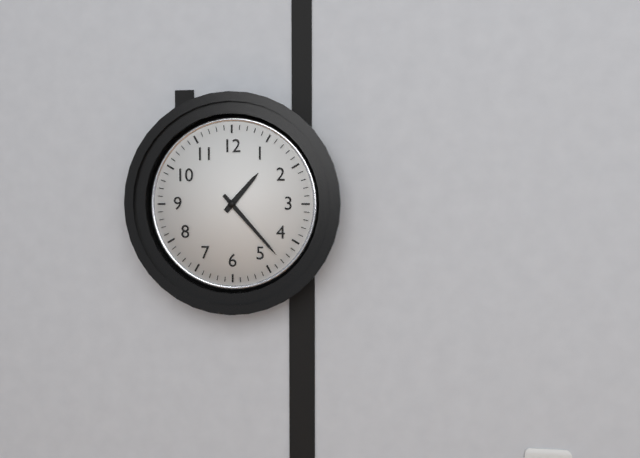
h=1 m=23
